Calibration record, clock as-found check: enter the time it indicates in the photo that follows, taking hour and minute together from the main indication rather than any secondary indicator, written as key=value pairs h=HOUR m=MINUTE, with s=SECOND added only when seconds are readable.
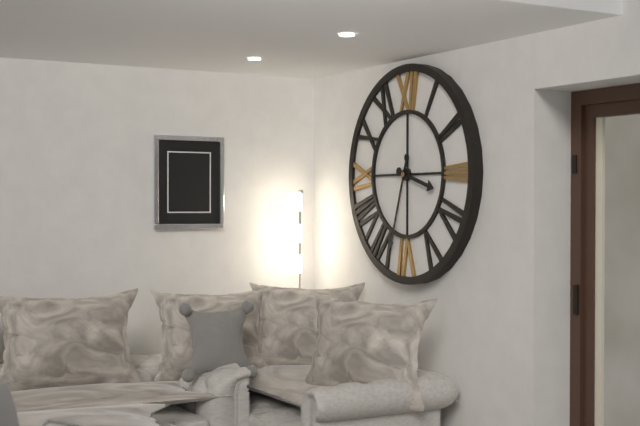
h=3 m=33
